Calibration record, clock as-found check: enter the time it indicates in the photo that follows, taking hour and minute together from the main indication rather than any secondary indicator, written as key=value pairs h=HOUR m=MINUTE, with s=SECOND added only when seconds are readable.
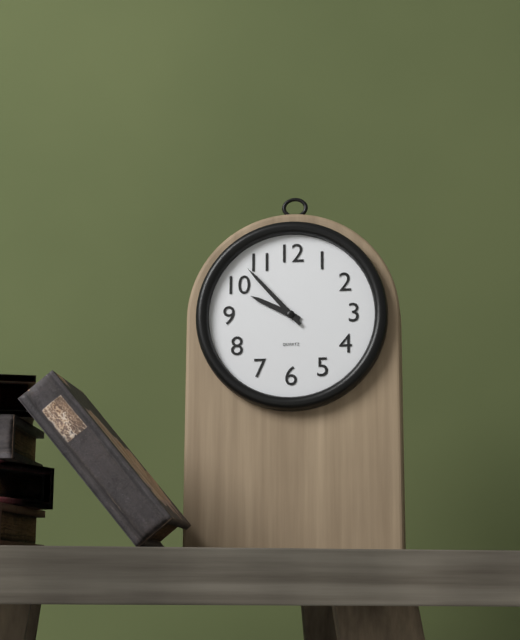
h=9 m=53
